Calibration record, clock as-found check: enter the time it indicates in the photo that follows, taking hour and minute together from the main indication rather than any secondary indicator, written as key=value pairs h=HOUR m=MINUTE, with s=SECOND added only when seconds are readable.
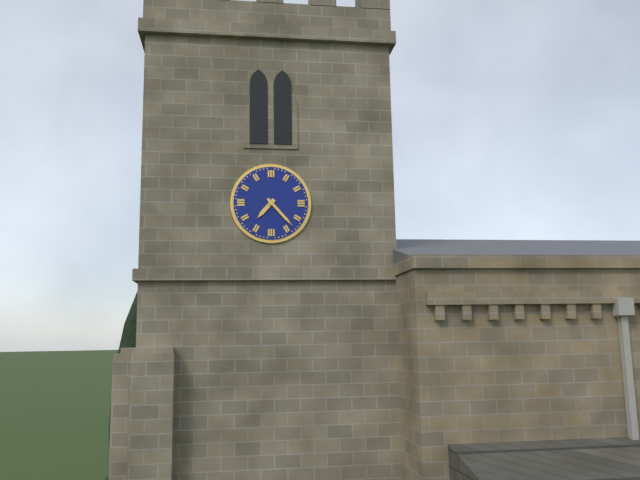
h=7 m=23
